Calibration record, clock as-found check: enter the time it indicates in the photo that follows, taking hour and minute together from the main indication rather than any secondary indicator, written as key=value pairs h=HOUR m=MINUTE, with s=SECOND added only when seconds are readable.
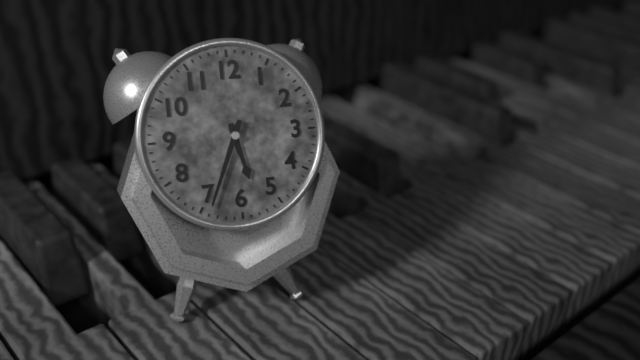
h=5 m=34
